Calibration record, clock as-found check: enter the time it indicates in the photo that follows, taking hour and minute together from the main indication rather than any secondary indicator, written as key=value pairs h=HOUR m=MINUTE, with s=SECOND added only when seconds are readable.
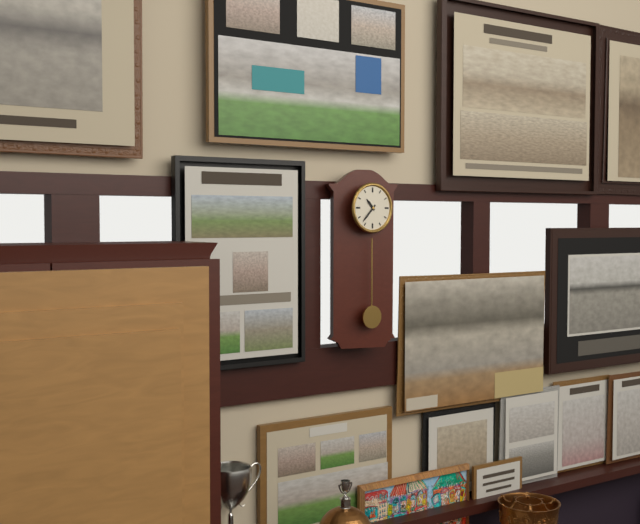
h=10 m=37
